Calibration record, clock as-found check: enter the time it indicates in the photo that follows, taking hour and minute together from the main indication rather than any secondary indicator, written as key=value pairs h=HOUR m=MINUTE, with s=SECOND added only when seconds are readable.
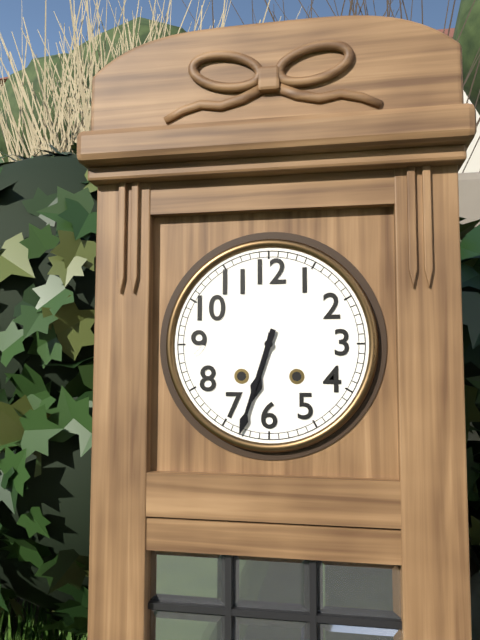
h=6 m=33
